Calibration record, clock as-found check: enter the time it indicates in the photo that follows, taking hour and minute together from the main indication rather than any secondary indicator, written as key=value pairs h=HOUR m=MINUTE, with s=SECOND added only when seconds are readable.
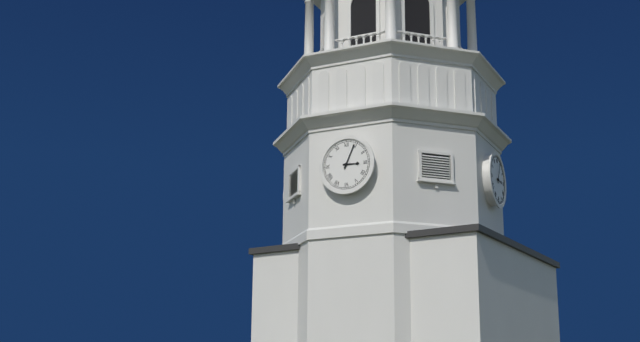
h=3 m=4
